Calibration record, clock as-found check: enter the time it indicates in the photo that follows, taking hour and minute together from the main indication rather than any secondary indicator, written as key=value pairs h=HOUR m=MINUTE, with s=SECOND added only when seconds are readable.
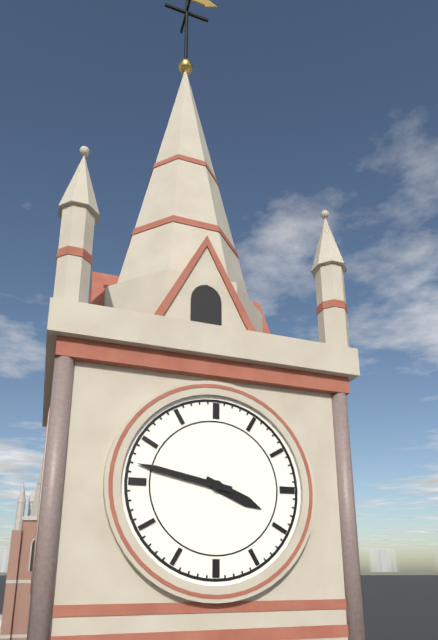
h=3 m=47
